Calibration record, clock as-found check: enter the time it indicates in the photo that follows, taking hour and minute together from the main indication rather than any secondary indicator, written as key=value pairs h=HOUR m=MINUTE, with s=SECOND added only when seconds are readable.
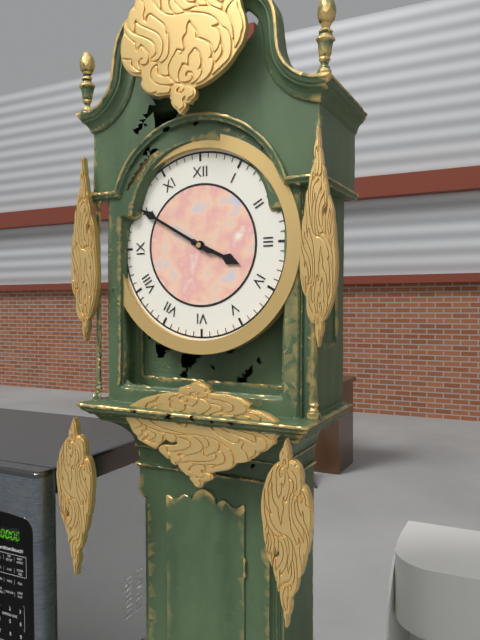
h=3 m=50
